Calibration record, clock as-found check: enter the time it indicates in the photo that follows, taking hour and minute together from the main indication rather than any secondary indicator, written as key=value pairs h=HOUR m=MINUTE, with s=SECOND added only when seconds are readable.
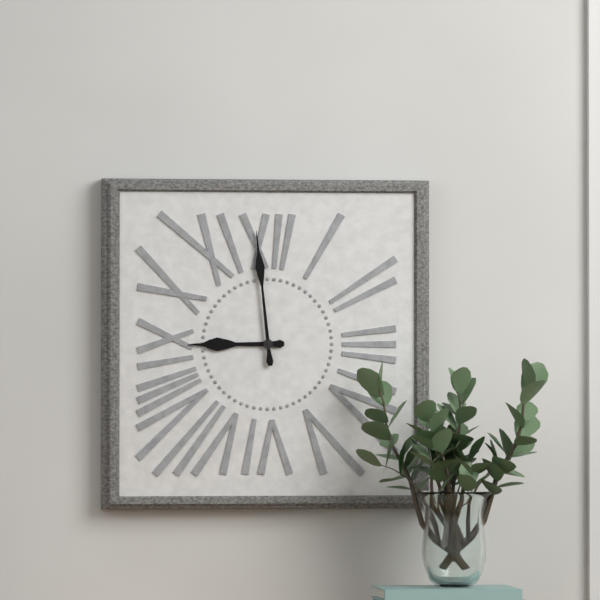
h=8 m=59
